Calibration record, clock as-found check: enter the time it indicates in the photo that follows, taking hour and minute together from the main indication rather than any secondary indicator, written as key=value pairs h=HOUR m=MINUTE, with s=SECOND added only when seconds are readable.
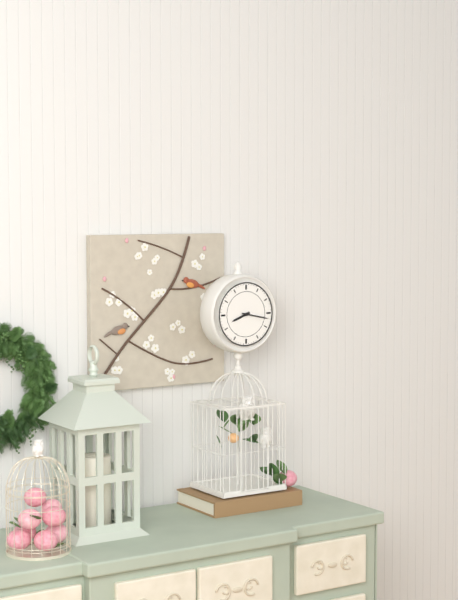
h=8 m=17
